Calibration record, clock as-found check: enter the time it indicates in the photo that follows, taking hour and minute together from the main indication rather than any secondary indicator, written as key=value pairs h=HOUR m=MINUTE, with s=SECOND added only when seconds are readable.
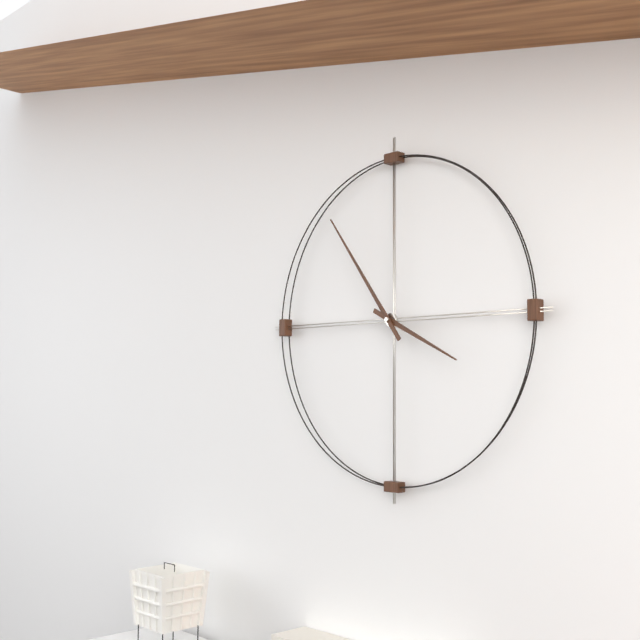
h=3 m=54
